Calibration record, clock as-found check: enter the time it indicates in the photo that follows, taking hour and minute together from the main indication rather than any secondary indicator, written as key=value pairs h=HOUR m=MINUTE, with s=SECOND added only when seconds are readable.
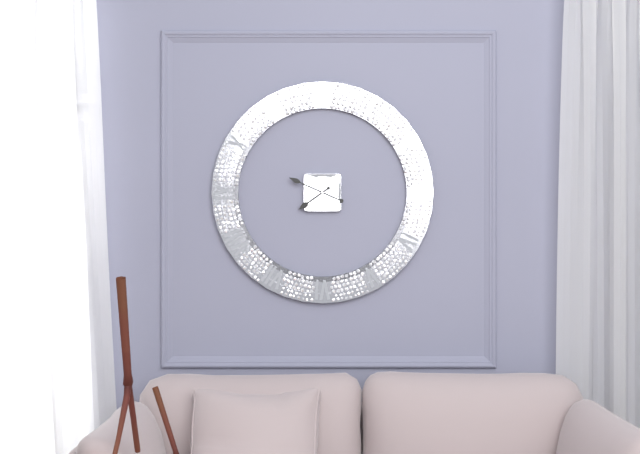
h=7 m=49
